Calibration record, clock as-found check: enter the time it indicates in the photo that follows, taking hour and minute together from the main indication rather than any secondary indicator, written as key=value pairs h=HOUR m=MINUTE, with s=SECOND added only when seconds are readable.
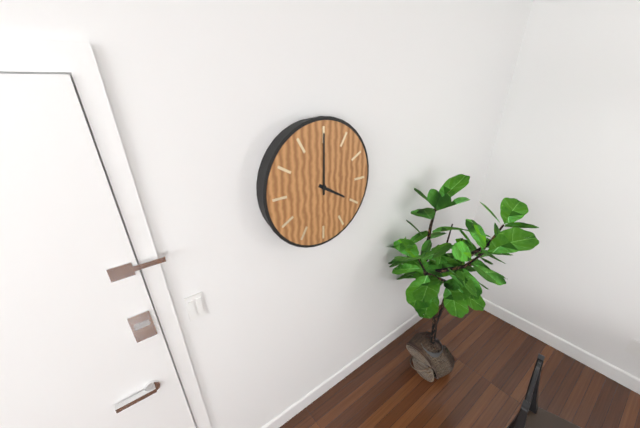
h=4 m=0
